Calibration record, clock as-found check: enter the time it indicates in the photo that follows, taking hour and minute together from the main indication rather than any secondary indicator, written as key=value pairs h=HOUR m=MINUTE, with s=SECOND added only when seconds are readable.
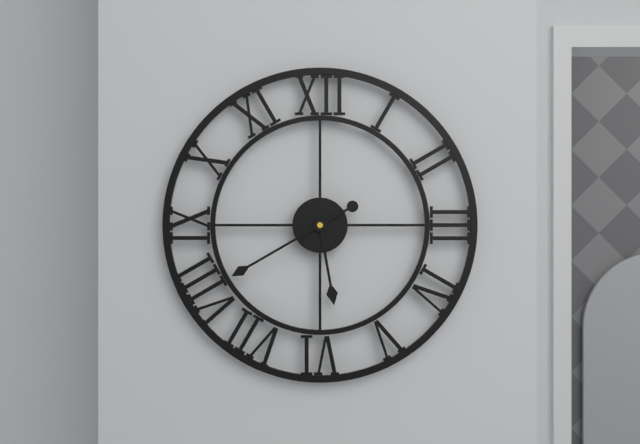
h=5 m=40
